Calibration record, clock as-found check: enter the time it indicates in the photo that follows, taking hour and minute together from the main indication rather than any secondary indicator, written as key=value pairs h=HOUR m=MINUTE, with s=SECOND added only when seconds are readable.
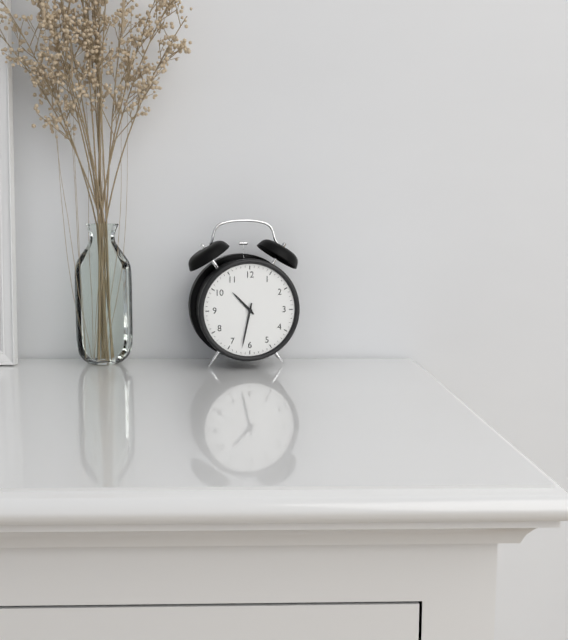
h=10 m=32
